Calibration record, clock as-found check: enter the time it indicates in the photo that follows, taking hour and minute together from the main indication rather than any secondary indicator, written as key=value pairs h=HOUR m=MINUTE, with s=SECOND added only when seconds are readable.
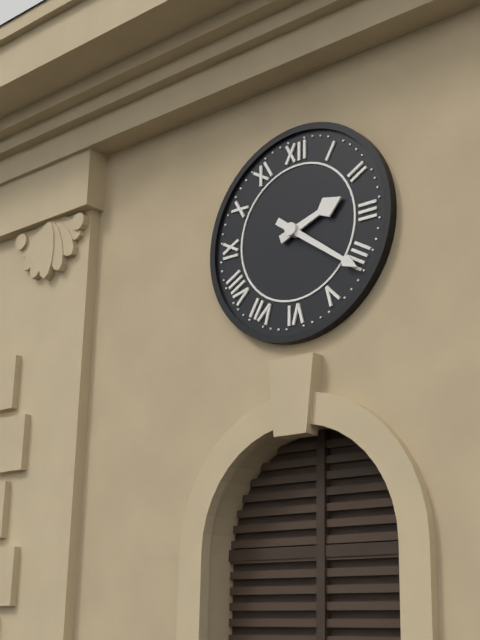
h=2 m=21
